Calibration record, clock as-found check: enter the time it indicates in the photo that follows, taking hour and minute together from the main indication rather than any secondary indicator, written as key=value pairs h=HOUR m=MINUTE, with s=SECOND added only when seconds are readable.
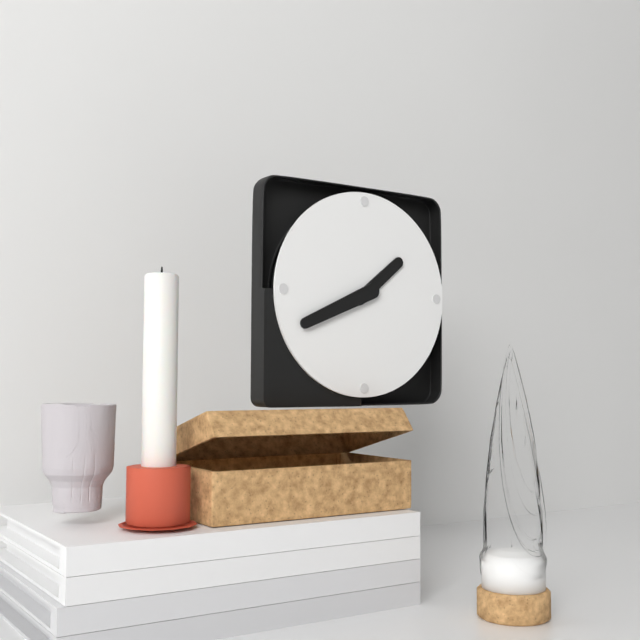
h=1 m=41
